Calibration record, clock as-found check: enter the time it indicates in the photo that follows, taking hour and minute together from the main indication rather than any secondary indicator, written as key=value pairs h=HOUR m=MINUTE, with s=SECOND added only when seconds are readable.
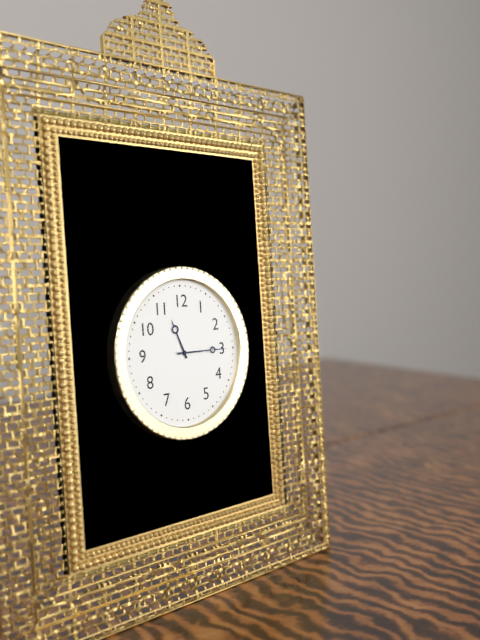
h=11 m=15
